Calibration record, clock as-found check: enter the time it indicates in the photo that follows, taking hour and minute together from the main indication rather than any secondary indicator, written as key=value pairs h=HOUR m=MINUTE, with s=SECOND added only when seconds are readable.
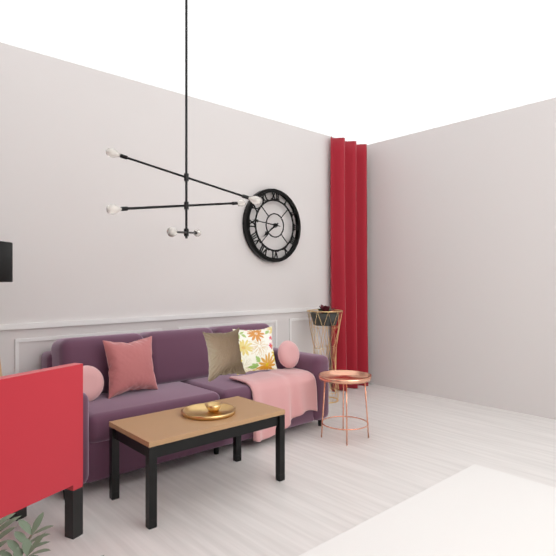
h=7 m=46
